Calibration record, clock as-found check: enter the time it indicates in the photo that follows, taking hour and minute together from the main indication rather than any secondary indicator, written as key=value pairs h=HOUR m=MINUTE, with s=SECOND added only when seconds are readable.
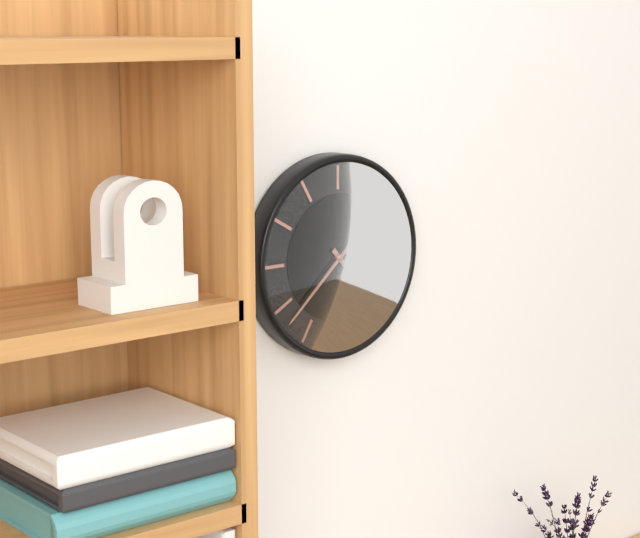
h=4 m=38
